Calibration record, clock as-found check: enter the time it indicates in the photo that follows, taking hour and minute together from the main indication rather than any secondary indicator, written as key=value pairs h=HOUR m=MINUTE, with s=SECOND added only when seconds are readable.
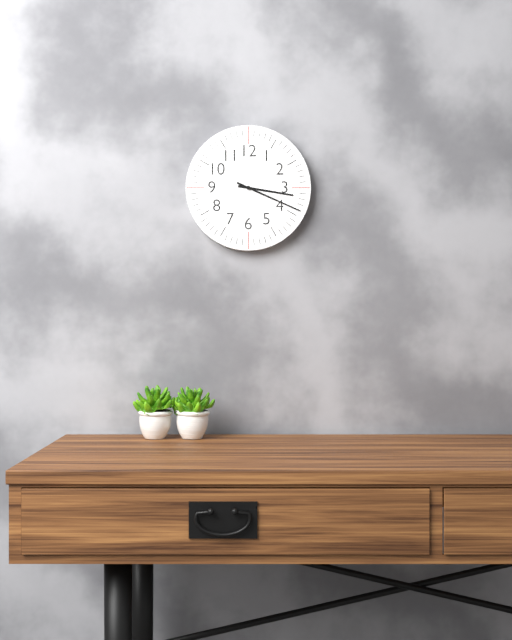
h=3 m=19
